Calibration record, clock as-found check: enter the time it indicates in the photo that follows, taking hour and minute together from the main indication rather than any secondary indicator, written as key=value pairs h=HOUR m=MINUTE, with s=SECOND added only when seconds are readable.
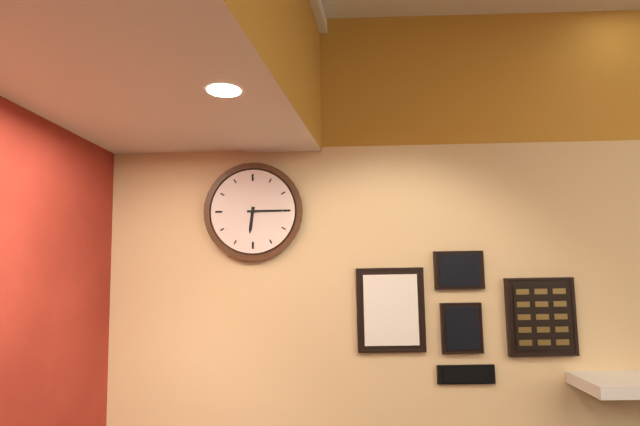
h=6 m=15
